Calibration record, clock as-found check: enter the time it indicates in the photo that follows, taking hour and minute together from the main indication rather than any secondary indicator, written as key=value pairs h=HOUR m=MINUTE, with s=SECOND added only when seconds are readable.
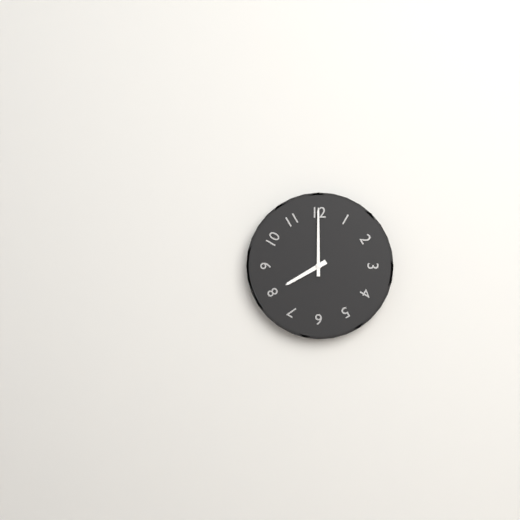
h=8 m=0
